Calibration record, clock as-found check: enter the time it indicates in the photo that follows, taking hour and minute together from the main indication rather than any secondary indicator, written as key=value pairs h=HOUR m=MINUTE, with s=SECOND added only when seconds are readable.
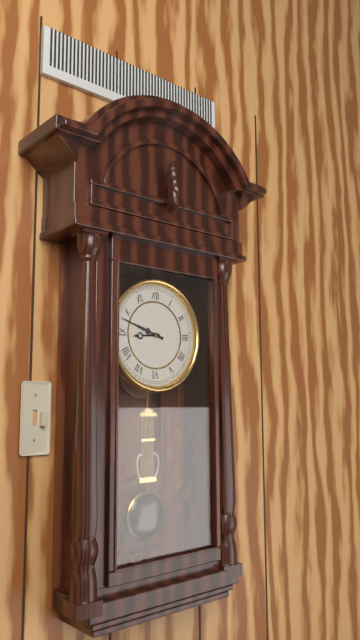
h=8 m=48
